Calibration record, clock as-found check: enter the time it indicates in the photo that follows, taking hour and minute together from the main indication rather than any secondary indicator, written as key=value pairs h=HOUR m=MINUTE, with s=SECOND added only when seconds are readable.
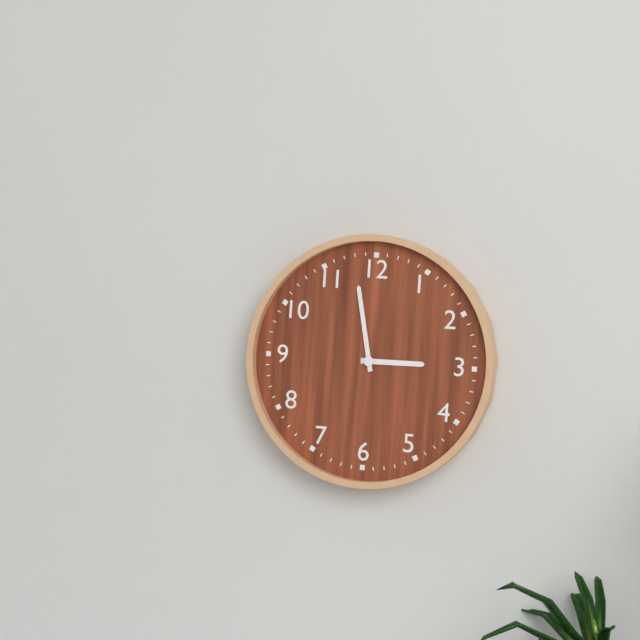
h=2 m=58
